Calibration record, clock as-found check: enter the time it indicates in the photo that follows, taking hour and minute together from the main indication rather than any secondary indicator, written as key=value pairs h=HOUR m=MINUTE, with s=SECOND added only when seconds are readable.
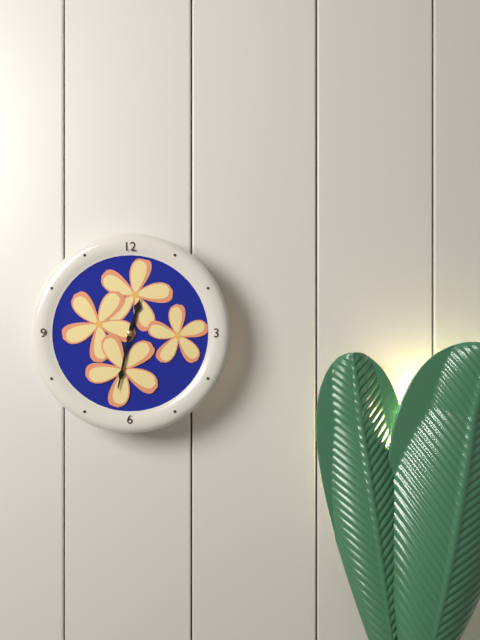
h=12 m=32
